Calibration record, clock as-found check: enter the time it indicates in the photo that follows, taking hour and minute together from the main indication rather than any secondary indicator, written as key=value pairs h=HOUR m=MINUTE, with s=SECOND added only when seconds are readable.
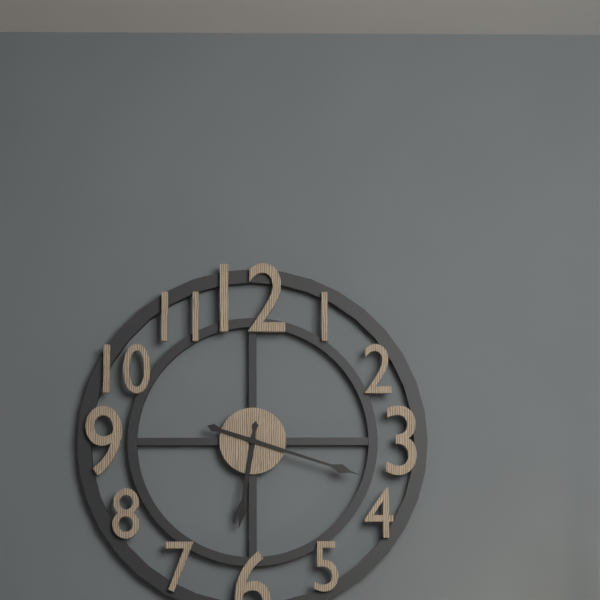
h=6 m=18
